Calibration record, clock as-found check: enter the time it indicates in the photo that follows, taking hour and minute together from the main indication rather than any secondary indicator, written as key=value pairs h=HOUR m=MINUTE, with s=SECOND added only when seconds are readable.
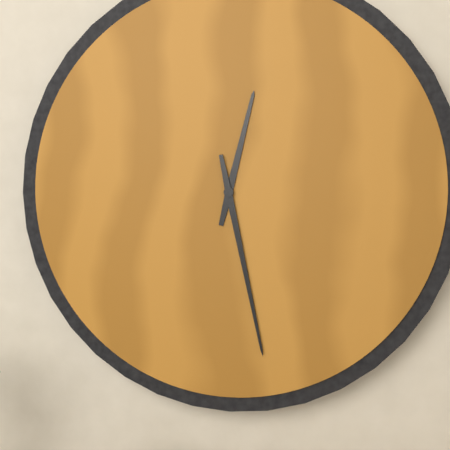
h=12 m=28
